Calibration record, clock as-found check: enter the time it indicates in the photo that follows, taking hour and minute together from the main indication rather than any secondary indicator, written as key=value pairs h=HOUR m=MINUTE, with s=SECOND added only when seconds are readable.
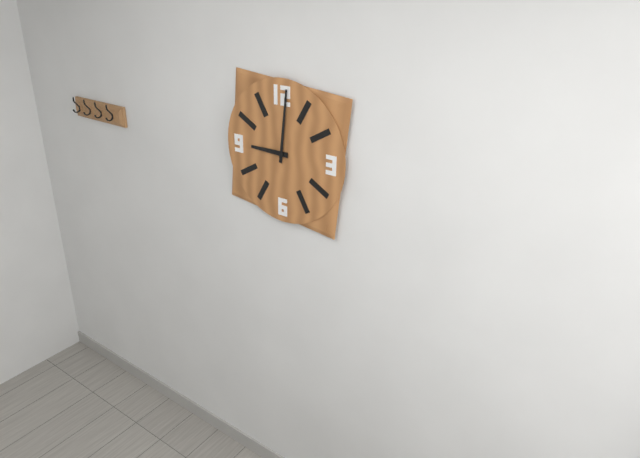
h=9 m=1
